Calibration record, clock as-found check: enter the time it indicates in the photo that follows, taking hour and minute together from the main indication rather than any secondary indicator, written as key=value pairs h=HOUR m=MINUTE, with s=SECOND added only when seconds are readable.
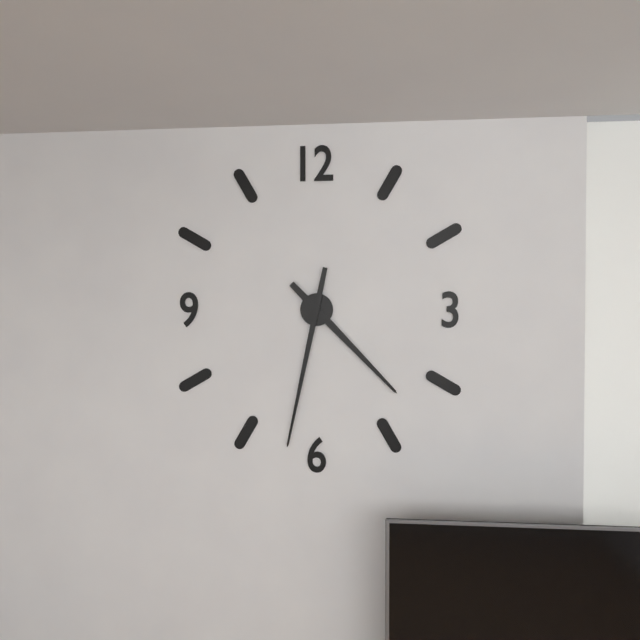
h=4 m=32
